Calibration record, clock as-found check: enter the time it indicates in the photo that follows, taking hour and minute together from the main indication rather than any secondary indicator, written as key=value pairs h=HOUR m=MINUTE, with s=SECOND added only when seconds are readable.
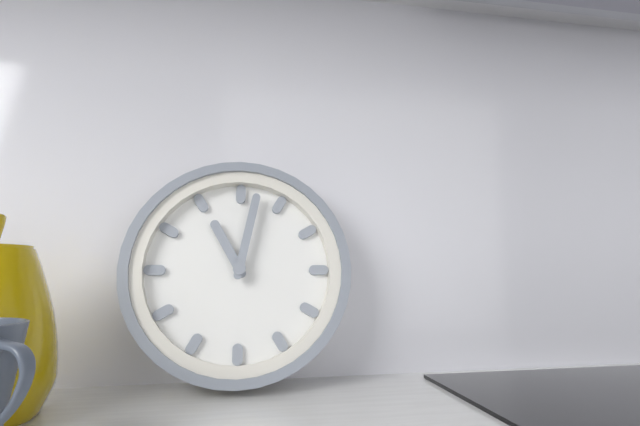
h=11 m=2
